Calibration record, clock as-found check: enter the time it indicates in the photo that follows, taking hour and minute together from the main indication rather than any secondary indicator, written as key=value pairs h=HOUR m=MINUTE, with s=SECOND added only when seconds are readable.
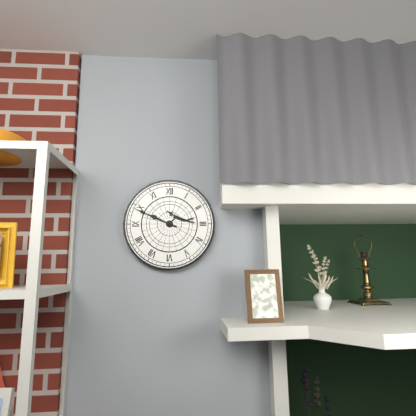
h=9 m=49
